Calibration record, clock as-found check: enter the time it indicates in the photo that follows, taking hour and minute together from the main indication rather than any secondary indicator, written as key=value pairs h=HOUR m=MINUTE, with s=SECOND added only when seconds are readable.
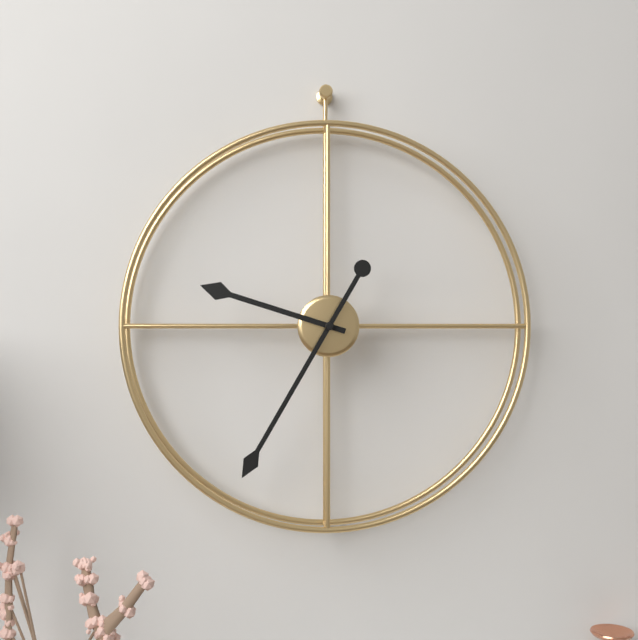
h=9 m=35
